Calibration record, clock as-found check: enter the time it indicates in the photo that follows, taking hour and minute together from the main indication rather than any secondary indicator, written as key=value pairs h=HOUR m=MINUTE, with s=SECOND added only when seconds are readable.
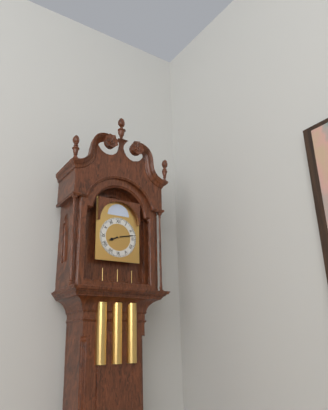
h=8 m=13
